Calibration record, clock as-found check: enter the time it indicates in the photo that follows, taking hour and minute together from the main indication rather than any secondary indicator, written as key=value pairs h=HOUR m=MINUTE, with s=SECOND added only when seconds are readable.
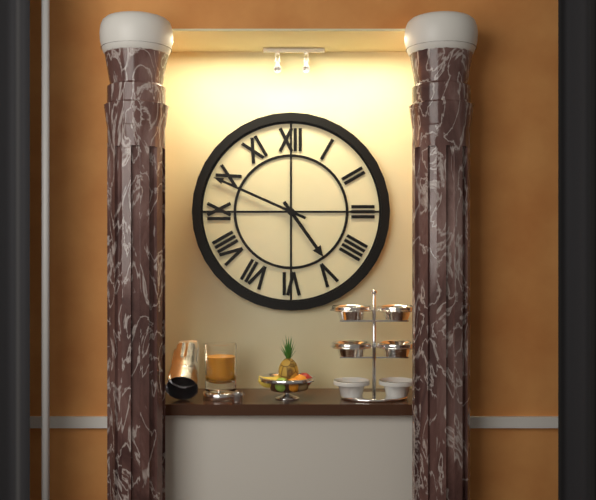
h=4 m=49
